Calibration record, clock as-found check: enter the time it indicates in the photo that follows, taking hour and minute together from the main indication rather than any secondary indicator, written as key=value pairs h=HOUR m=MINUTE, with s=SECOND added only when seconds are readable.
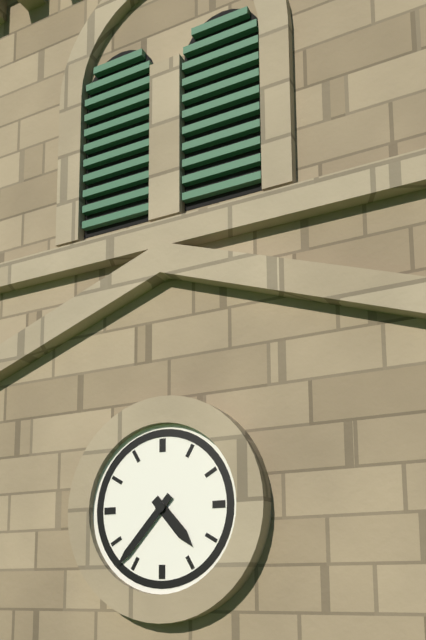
h=4 m=37
